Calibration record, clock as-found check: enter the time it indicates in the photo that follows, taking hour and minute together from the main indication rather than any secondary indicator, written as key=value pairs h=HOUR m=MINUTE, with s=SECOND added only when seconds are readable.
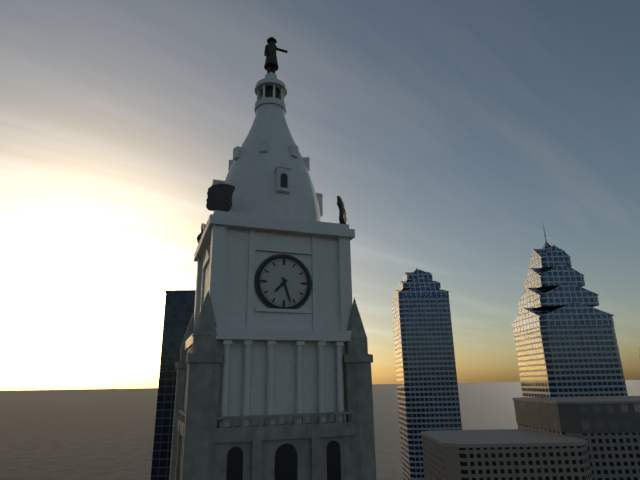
h=7 m=27
